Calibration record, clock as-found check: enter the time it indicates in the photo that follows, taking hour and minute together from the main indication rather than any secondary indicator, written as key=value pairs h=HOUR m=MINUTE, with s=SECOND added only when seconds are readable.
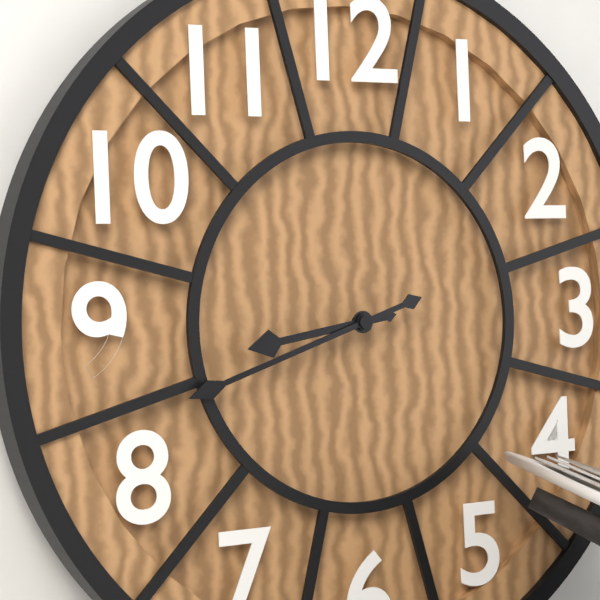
h=8 m=42
